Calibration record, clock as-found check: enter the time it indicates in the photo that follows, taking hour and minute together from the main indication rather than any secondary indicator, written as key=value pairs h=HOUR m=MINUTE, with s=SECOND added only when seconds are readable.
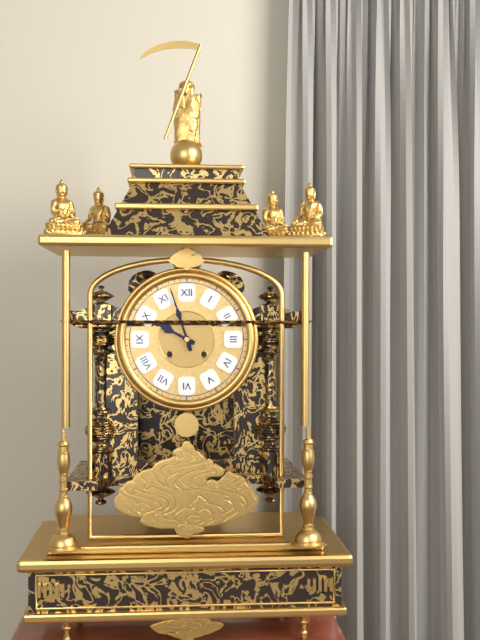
h=9 m=57
